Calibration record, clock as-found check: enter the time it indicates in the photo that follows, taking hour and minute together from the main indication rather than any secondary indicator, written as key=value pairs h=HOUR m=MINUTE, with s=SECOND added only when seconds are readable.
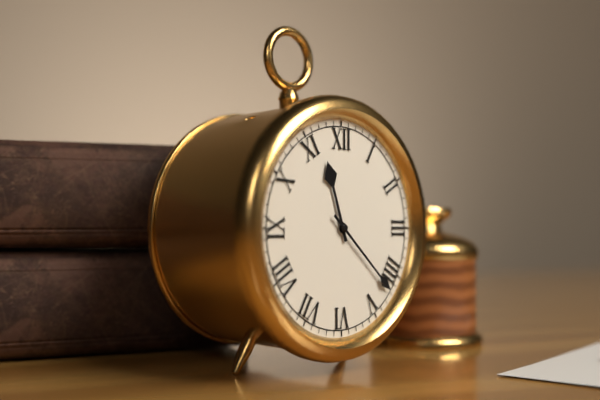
h=11 m=22
